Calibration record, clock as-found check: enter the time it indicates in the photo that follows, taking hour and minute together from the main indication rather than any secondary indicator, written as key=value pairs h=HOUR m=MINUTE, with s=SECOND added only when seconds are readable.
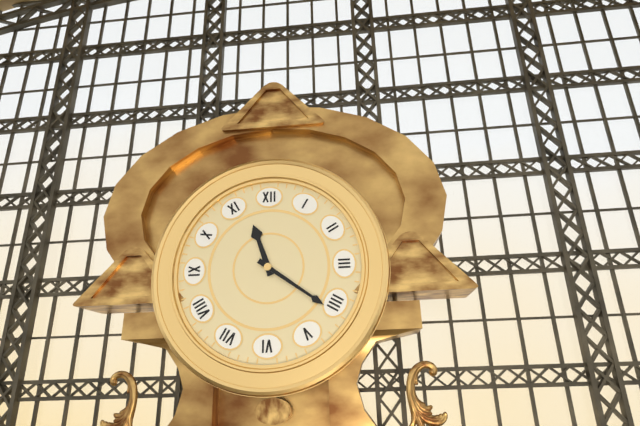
h=11 m=21
